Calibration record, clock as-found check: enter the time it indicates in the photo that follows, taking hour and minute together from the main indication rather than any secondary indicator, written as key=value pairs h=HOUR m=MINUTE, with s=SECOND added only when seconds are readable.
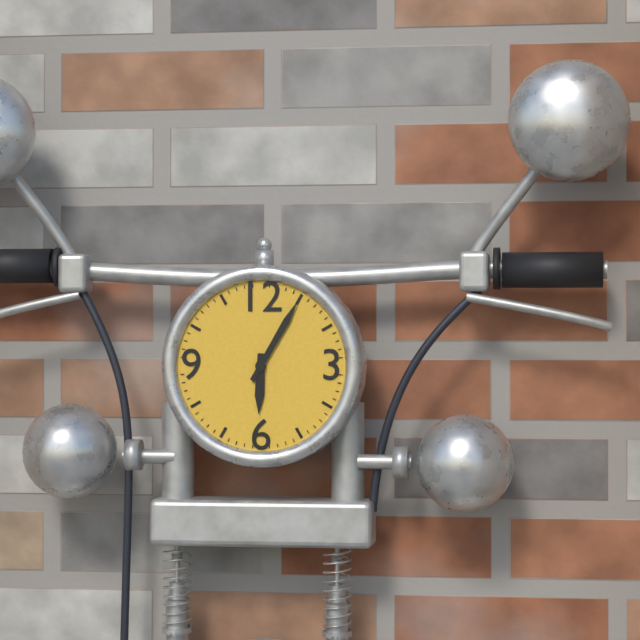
h=6 m=5
